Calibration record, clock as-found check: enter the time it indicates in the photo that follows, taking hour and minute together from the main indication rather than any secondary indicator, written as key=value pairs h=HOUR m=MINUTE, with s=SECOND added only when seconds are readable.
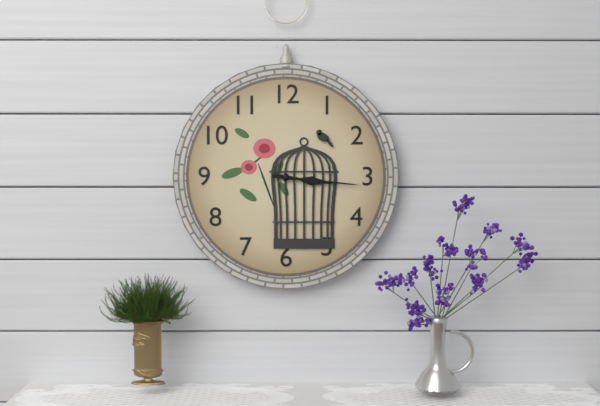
h=3 m=16
